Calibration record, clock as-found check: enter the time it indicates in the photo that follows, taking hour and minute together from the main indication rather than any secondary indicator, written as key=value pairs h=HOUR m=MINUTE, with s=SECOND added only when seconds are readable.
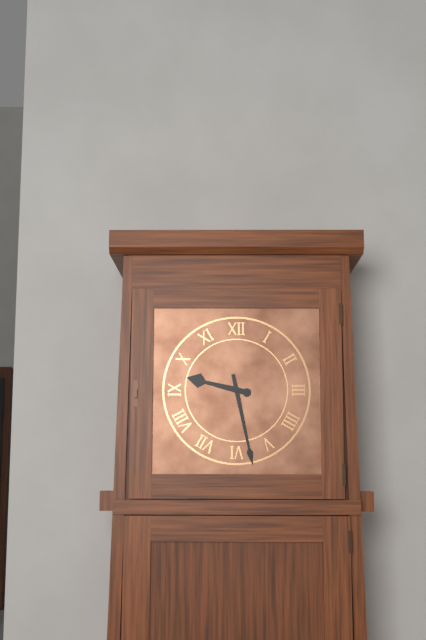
h=9 m=28
